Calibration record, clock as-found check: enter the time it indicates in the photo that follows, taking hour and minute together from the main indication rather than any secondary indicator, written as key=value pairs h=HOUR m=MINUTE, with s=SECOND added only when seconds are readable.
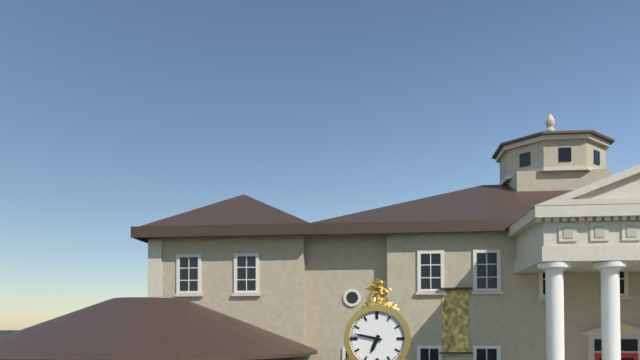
h=6 m=47
